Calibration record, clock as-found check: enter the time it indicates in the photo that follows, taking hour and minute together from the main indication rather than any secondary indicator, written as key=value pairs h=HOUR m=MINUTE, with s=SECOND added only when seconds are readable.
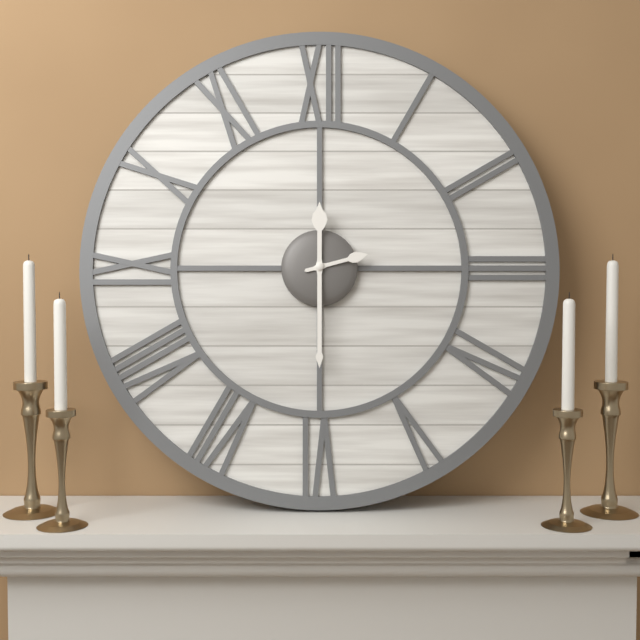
h=2 m=30
